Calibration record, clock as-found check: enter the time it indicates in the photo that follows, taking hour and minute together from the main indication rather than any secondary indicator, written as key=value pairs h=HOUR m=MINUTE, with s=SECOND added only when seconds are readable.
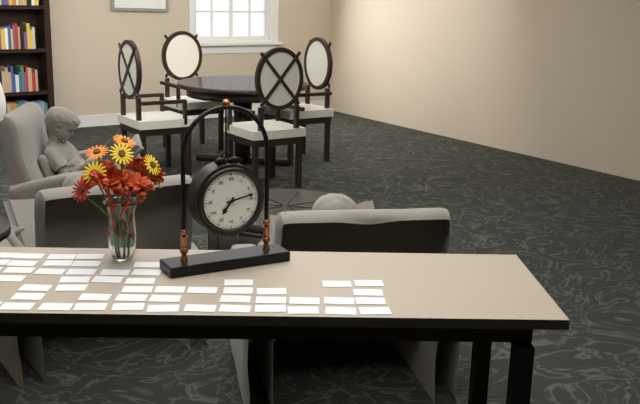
h=7 m=13
